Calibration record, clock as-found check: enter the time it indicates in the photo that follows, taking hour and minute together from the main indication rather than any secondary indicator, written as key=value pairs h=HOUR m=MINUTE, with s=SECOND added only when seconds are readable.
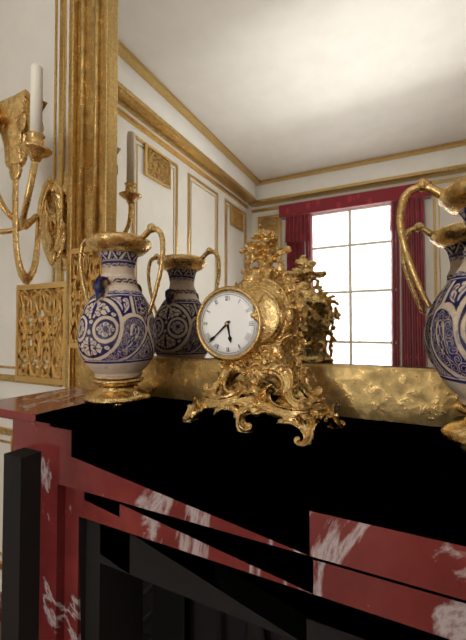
h=5 m=38
